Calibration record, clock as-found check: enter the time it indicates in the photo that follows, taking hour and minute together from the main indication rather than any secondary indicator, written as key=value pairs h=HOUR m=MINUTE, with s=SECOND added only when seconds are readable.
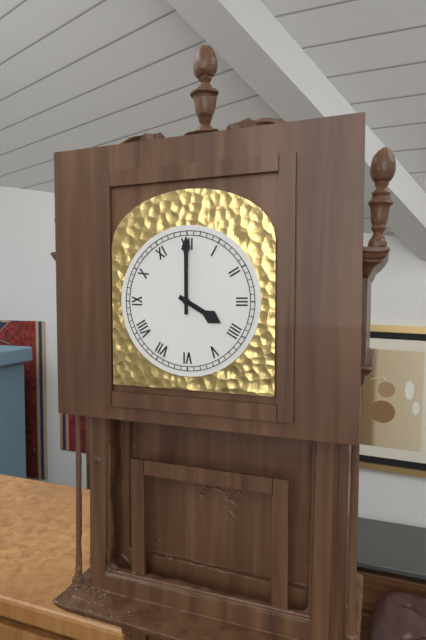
h=4 m=0
